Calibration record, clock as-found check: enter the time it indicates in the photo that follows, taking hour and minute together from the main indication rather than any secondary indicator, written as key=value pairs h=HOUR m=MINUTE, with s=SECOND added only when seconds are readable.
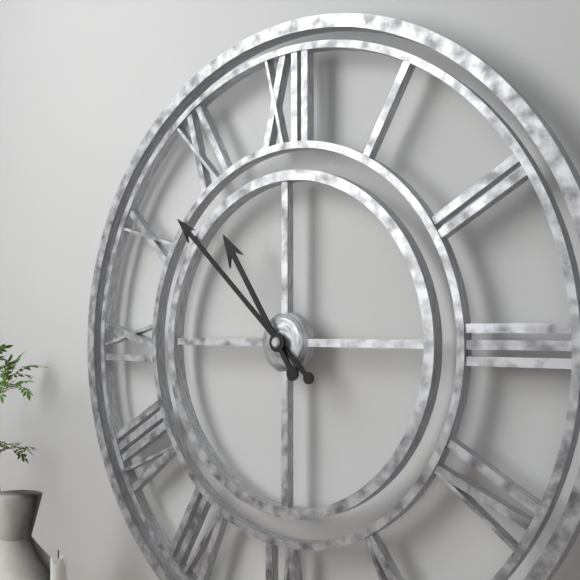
h=10 m=52
